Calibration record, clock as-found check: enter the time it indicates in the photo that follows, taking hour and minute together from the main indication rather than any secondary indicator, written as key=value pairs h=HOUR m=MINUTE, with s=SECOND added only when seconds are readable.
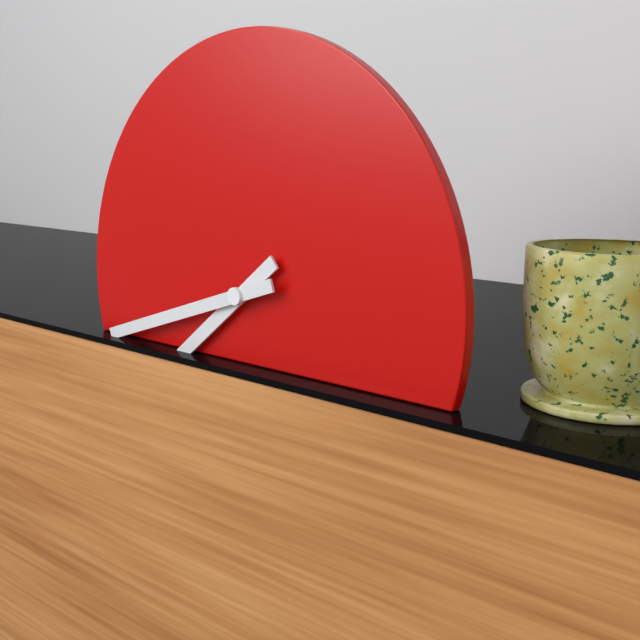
h=7 m=42
